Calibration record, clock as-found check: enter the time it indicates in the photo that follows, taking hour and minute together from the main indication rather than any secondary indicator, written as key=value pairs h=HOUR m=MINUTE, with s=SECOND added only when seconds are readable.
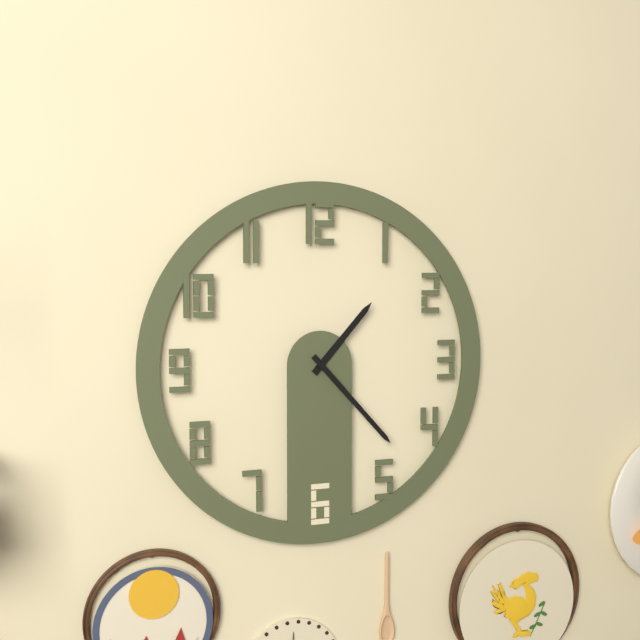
h=1 m=23
